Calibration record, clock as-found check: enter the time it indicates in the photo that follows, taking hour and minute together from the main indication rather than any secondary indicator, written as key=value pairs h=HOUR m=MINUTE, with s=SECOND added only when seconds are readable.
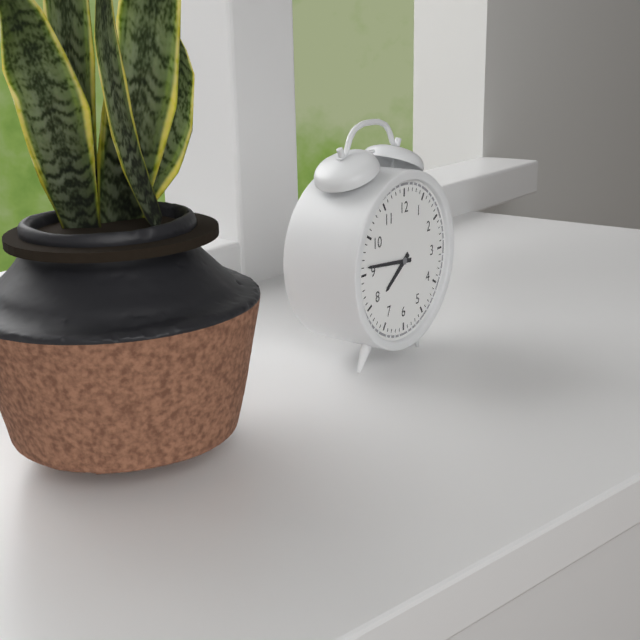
h=7 m=46
